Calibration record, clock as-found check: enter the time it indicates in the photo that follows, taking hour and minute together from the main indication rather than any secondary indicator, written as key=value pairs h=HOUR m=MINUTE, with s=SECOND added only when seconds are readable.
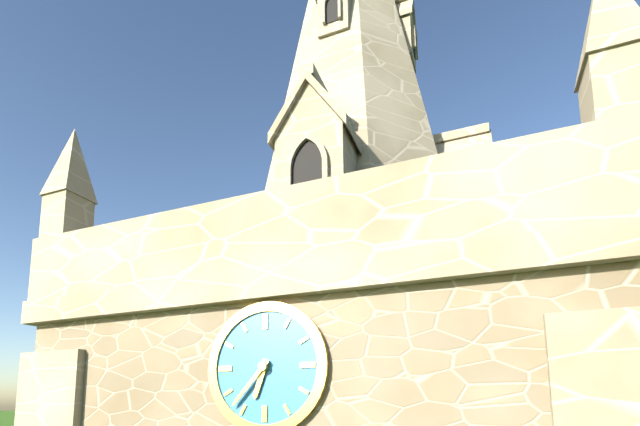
h=6 m=37
